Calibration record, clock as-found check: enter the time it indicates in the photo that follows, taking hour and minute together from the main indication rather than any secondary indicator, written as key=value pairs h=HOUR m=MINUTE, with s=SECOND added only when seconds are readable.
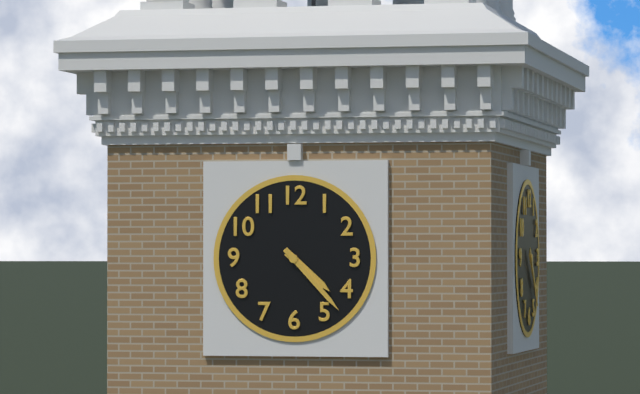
h=4 m=23
